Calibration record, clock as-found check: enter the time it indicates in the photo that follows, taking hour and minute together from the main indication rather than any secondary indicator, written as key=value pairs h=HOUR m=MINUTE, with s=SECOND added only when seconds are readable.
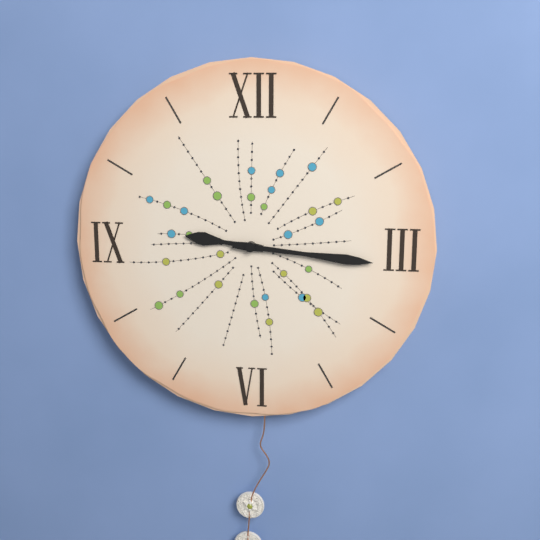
h=9 m=16
